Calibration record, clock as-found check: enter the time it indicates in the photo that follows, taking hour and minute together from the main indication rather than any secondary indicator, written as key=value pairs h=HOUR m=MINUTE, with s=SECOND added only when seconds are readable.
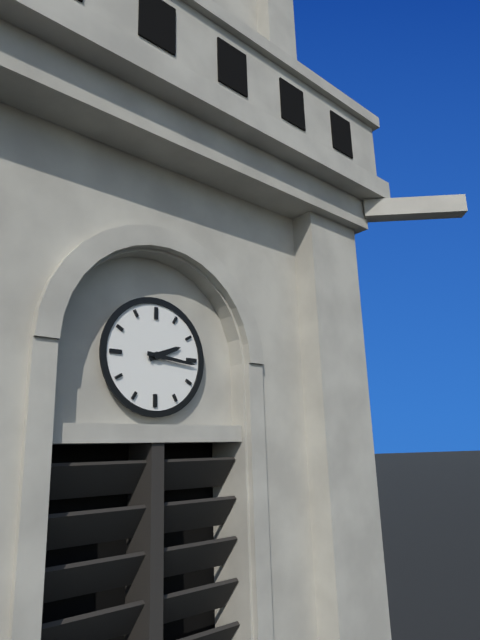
h=2 m=16
